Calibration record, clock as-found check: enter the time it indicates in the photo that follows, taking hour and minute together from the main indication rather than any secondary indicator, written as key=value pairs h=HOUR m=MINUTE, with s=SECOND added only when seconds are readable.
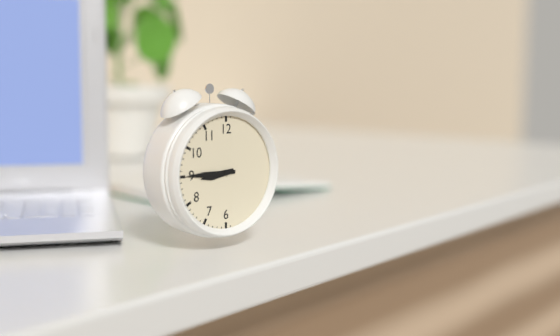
h=8 m=45
